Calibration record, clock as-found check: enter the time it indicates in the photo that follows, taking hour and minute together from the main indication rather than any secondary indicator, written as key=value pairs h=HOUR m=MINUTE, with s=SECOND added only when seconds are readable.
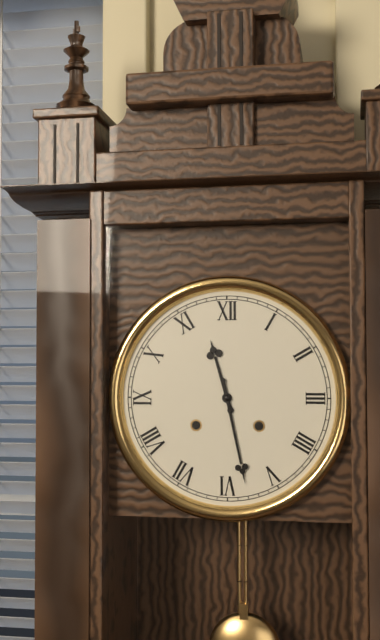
h=11 m=28
